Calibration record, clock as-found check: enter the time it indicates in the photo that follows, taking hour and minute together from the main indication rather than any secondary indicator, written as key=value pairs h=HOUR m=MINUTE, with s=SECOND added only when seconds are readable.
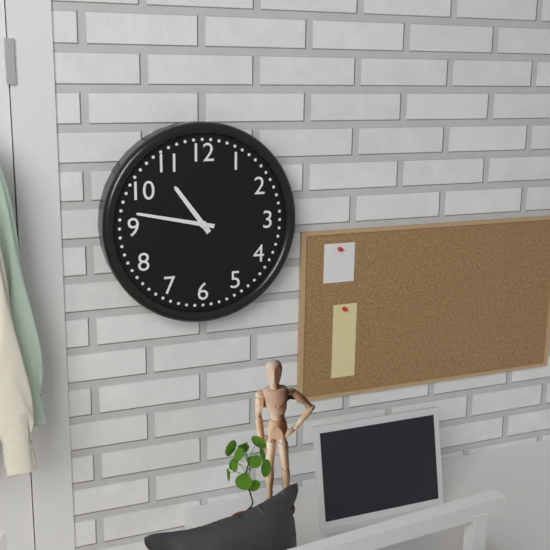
h=10 m=47
